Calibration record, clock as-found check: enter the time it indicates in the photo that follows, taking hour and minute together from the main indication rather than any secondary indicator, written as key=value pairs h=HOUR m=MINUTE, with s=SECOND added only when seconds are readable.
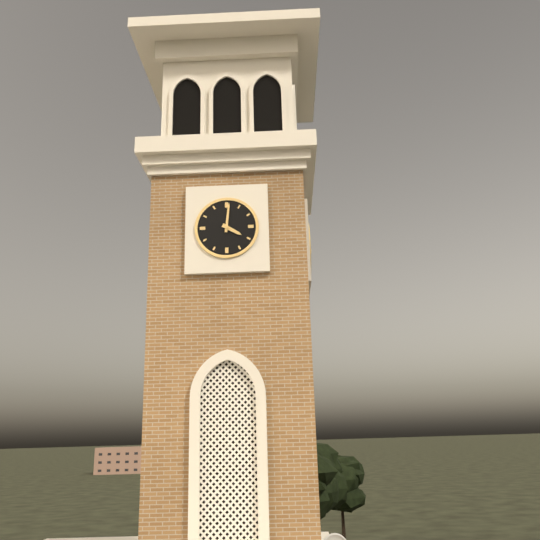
h=4 m=1
